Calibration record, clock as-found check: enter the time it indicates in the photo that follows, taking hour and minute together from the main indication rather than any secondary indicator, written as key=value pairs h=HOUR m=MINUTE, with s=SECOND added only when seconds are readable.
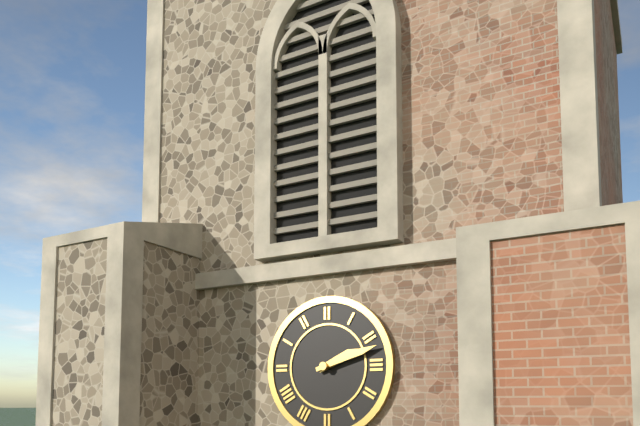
h=2 m=12
